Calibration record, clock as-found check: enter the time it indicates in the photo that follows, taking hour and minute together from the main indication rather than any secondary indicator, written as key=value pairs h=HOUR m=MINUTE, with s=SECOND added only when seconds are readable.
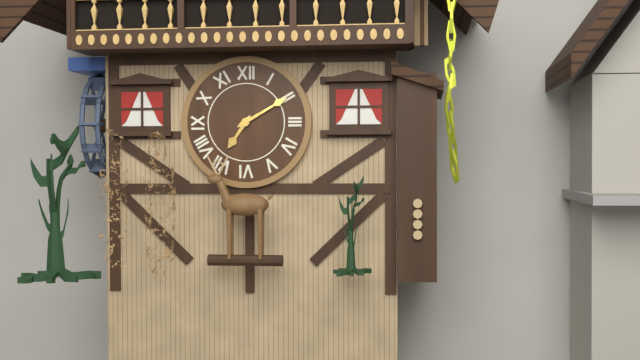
h=7 m=10
